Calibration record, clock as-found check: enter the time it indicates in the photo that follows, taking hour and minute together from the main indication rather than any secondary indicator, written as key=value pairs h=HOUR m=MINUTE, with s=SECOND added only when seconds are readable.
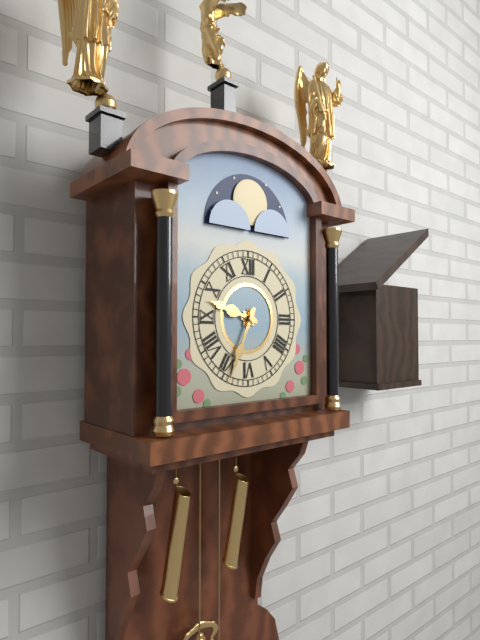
h=9 m=34
